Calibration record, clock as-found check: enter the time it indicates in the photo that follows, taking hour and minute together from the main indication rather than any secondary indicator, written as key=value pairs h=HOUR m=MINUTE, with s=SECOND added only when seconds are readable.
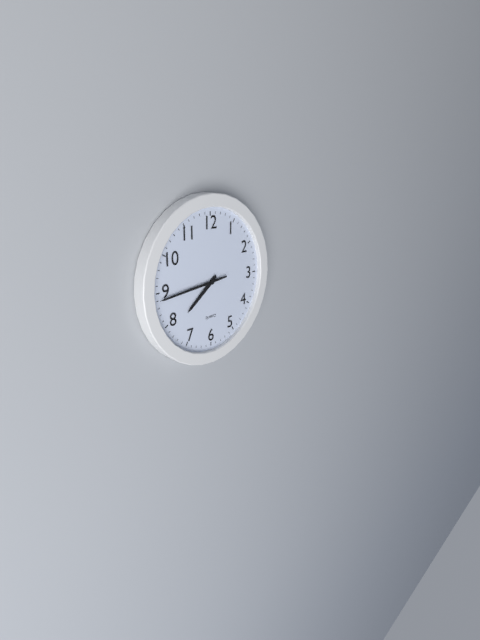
h=7 m=44
